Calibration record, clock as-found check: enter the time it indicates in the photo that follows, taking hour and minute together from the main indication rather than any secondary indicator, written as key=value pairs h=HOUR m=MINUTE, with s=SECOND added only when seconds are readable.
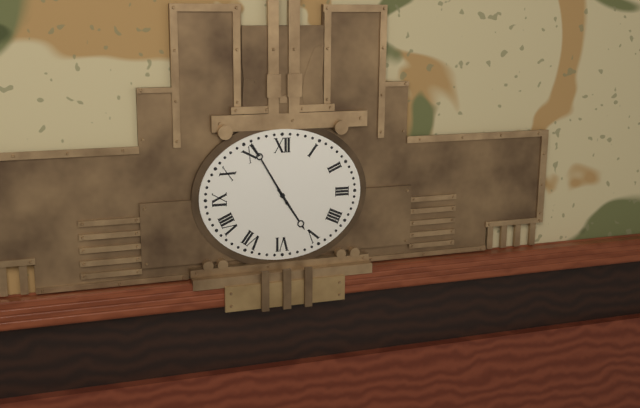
h=4 m=55
